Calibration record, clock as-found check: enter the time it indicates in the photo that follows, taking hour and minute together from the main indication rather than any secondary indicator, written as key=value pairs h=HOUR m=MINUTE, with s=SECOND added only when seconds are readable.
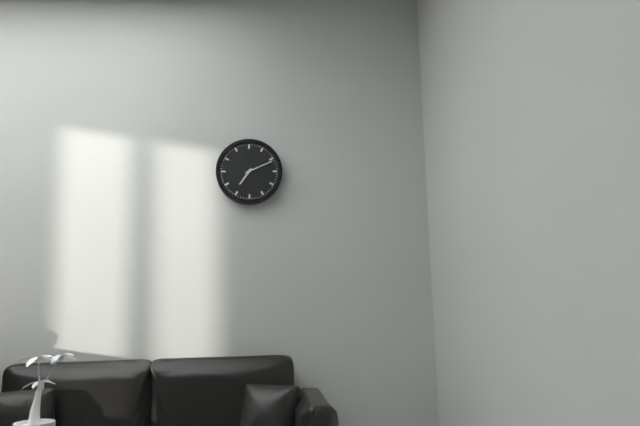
h=7 m=11
